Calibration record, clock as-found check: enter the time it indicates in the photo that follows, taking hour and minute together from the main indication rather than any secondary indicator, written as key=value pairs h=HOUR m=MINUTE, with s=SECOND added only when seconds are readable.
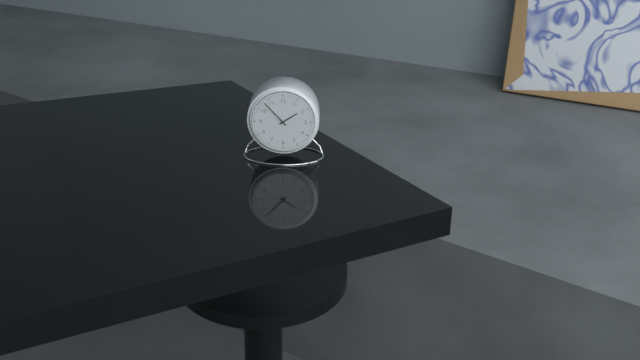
h=1 m=53
